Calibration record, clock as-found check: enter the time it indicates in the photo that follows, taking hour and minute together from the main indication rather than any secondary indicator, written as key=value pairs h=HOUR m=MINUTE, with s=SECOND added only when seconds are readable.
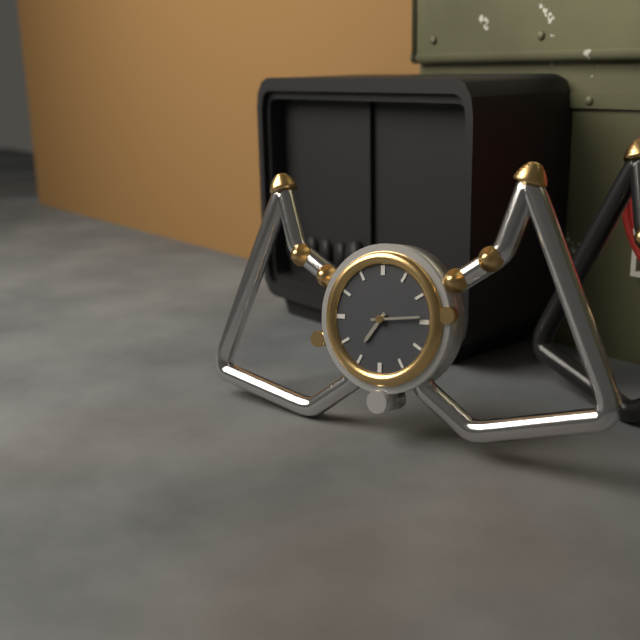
h=7 m=14
